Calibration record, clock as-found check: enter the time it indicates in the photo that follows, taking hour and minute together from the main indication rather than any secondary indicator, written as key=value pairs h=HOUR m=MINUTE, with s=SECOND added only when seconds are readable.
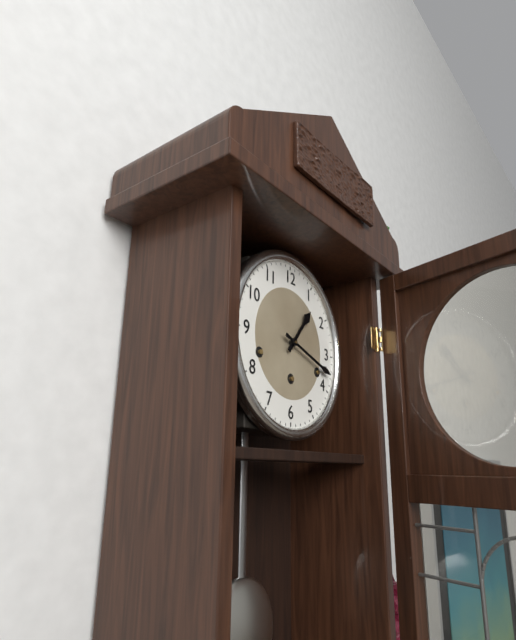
h=1 m=18
